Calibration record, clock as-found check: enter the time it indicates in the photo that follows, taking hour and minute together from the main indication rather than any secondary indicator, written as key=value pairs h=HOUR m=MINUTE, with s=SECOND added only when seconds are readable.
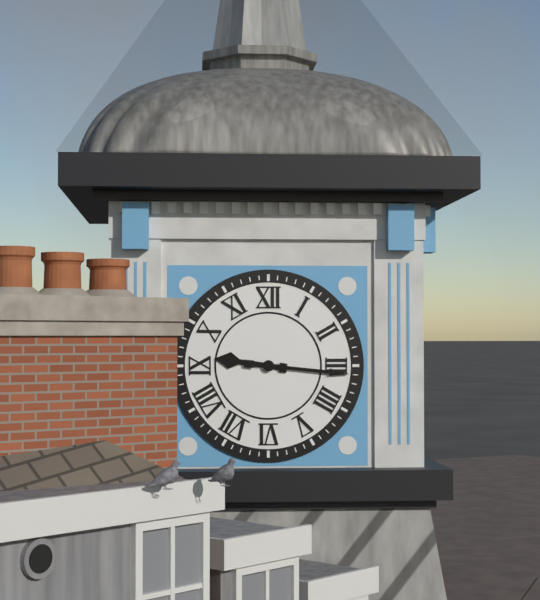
h=9 m=16
